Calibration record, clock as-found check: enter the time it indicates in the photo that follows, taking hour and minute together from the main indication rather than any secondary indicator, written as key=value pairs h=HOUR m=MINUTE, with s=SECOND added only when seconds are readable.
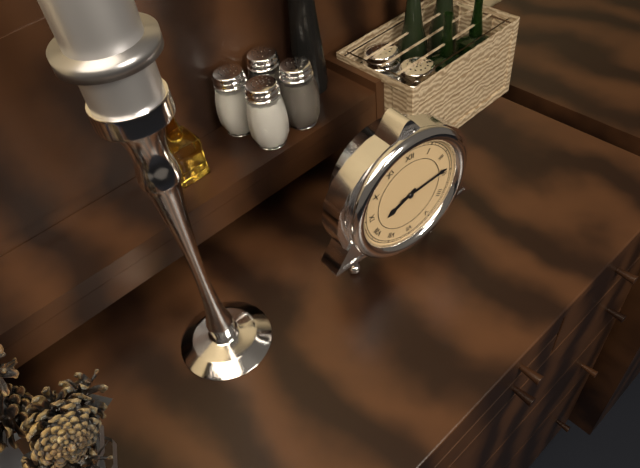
h=8 m=14
